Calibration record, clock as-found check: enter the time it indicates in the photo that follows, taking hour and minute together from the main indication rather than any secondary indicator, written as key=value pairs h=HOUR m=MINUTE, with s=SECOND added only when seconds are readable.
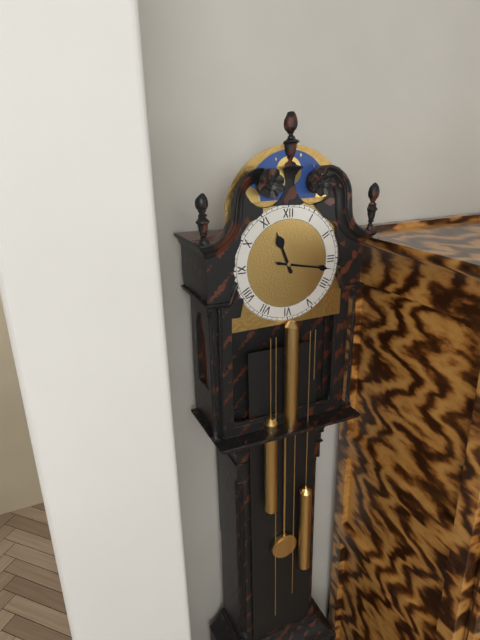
h=11 m=17
